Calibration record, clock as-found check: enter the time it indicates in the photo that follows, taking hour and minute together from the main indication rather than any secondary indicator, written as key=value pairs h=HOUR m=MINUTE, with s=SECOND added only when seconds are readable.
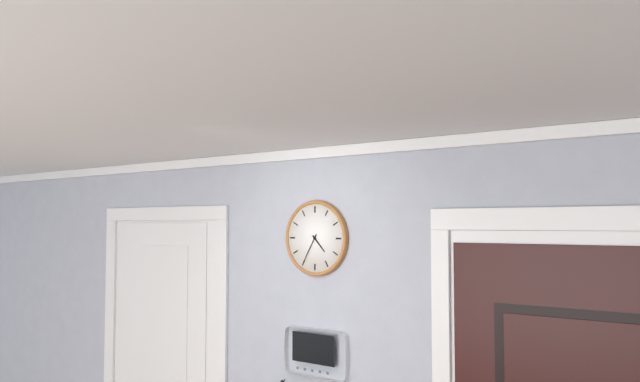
h=4 m=35
